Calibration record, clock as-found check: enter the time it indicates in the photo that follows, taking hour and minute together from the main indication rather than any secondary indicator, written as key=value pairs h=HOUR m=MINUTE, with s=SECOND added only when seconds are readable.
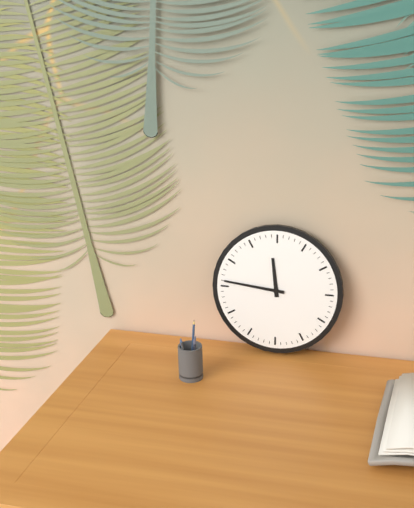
h=11 m=46
